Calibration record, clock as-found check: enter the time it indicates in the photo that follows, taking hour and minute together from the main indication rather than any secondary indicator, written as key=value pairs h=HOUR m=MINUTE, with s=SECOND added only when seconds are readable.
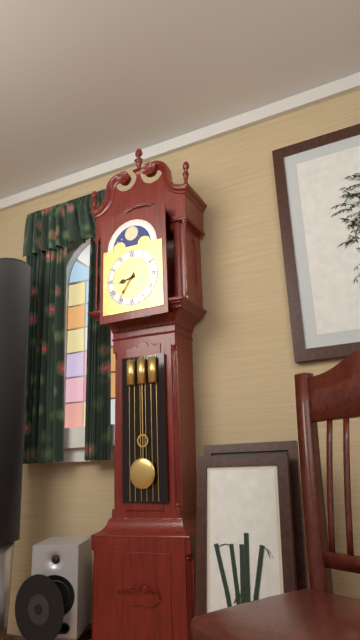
h=8 m=36
